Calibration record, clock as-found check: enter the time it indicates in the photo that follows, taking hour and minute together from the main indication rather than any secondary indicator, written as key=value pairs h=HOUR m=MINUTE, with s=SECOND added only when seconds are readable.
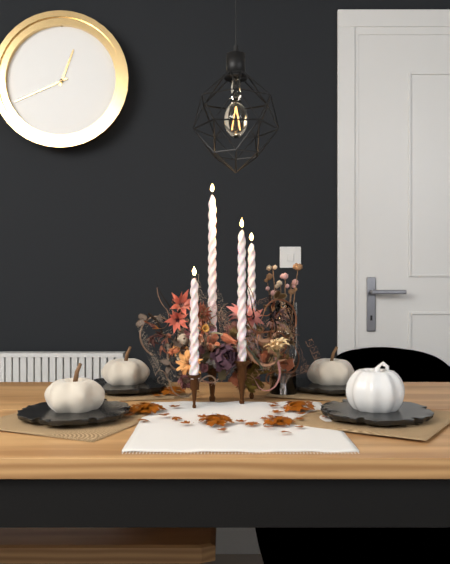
h=12 m=41
